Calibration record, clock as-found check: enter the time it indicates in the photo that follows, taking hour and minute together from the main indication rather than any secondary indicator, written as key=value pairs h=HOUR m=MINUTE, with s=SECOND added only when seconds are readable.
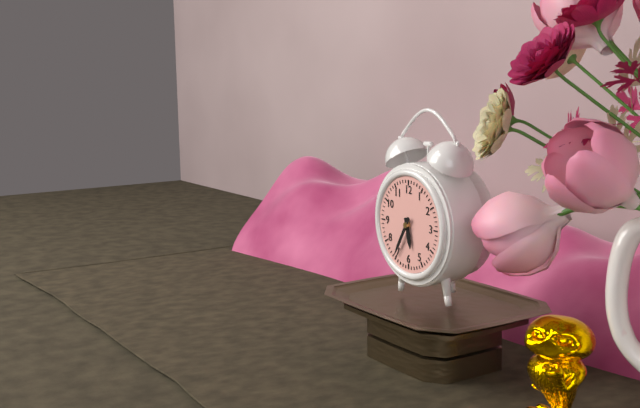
h=5 m=35
